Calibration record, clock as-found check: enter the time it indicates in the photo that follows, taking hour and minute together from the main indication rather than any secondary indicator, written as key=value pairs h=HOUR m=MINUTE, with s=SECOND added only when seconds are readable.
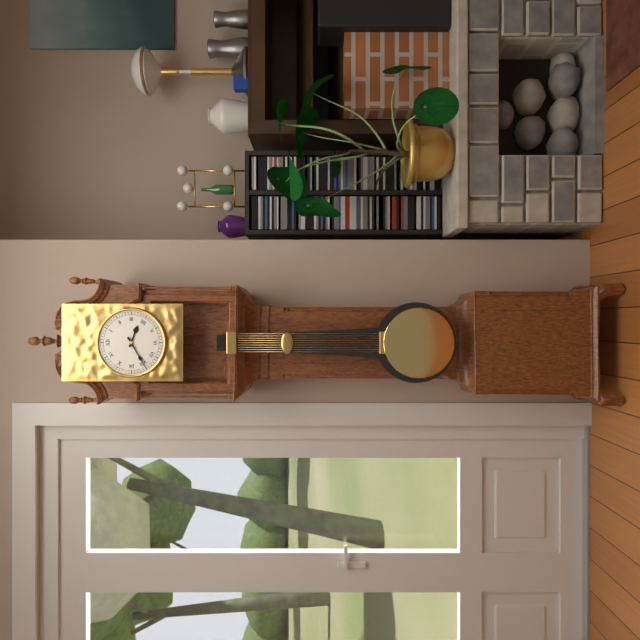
h=3 m=40
